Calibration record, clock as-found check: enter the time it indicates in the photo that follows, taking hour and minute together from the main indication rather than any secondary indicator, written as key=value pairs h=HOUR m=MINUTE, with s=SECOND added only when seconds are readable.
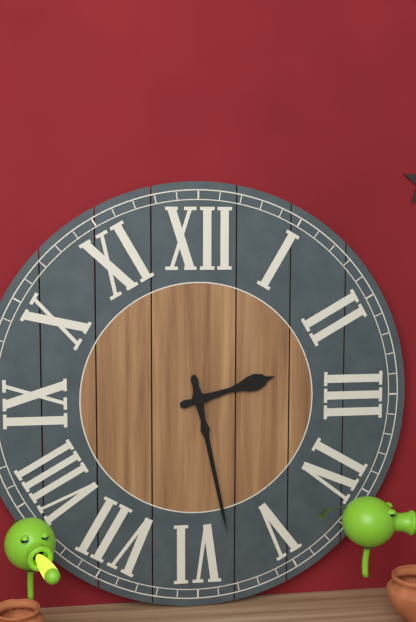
h=2 m=28
